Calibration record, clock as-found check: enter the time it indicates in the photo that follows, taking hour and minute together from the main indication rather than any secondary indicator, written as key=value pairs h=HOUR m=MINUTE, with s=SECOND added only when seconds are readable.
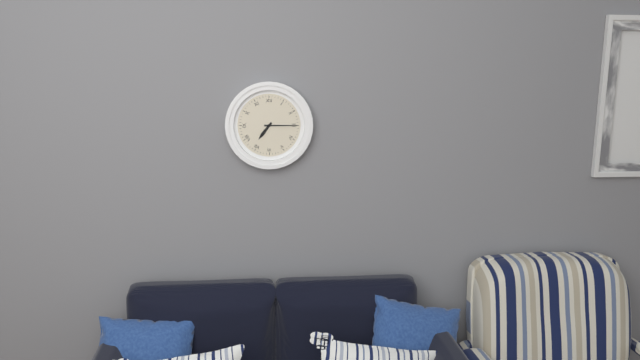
h=7 m=15
